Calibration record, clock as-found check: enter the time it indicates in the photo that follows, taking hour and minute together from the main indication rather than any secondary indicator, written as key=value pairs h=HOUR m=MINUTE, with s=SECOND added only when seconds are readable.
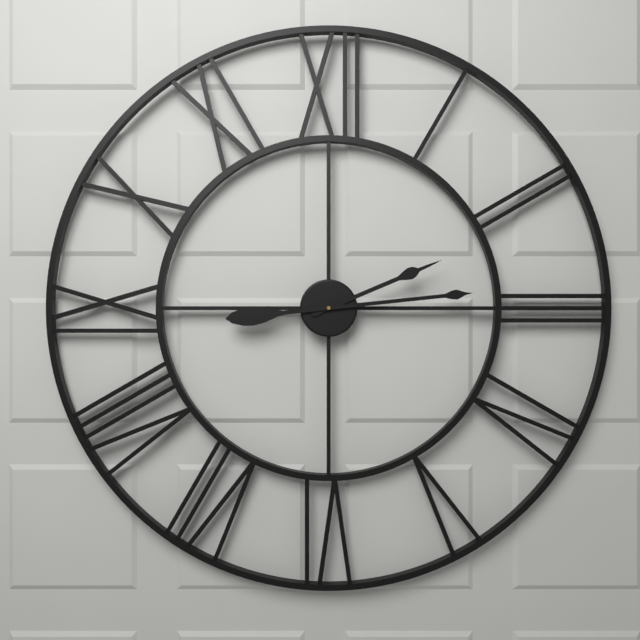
h=2 m=14
